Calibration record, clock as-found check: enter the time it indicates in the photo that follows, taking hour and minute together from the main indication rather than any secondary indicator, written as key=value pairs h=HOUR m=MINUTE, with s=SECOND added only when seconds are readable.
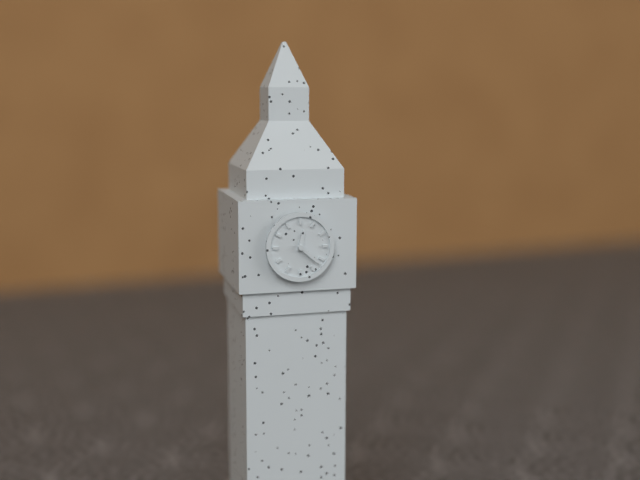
h=12 m=22
